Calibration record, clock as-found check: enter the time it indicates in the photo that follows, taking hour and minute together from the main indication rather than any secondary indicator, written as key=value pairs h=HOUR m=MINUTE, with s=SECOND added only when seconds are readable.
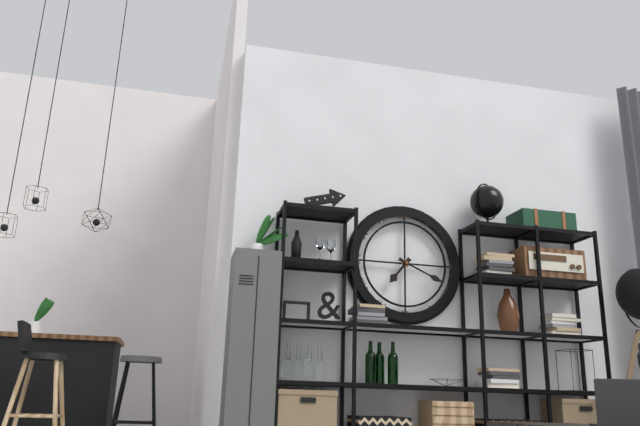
h=7 m=19
